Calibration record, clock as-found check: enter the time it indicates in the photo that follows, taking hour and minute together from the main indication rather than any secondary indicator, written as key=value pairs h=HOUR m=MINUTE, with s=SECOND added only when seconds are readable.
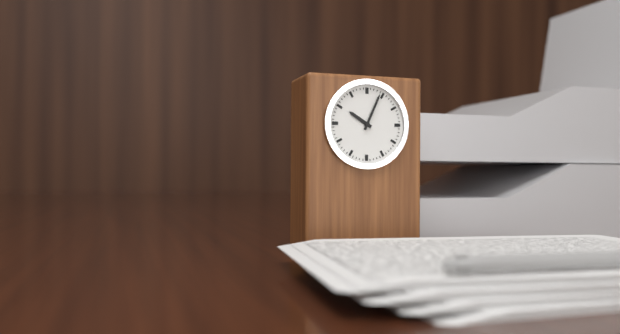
h=10 m=4
